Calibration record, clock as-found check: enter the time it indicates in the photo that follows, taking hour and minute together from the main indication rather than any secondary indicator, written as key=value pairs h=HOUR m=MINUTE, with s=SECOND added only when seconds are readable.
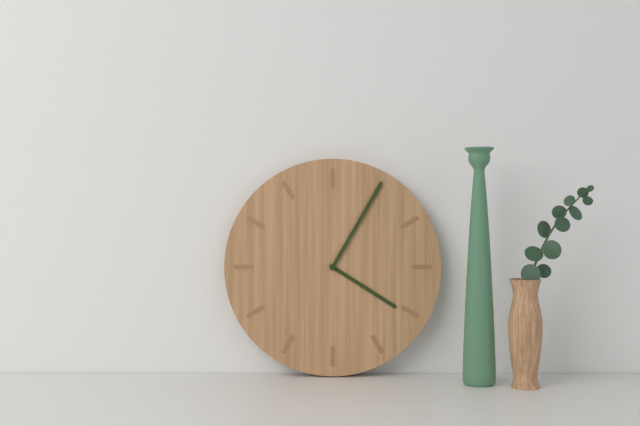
h=4 m=5
